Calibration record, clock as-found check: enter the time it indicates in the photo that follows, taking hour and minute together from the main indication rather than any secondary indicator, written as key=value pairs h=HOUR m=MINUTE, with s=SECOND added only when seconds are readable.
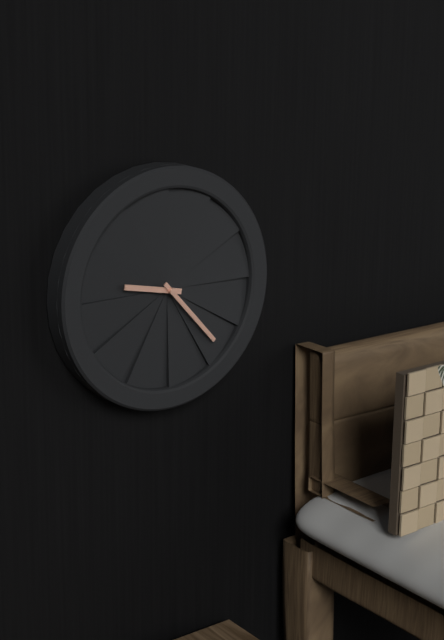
h=9 m=23
